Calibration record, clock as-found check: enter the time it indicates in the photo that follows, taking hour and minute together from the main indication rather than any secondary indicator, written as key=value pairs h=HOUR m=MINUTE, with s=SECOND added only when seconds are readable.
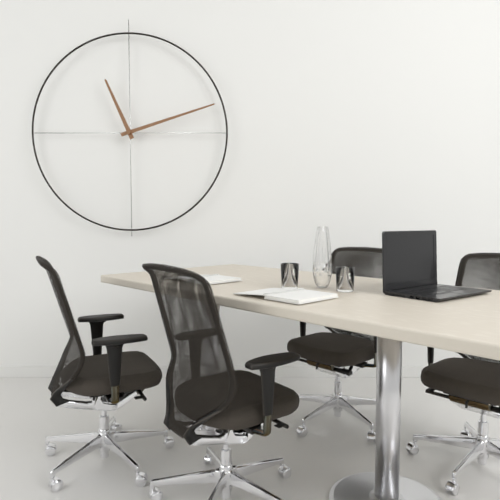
h=11 m=12
